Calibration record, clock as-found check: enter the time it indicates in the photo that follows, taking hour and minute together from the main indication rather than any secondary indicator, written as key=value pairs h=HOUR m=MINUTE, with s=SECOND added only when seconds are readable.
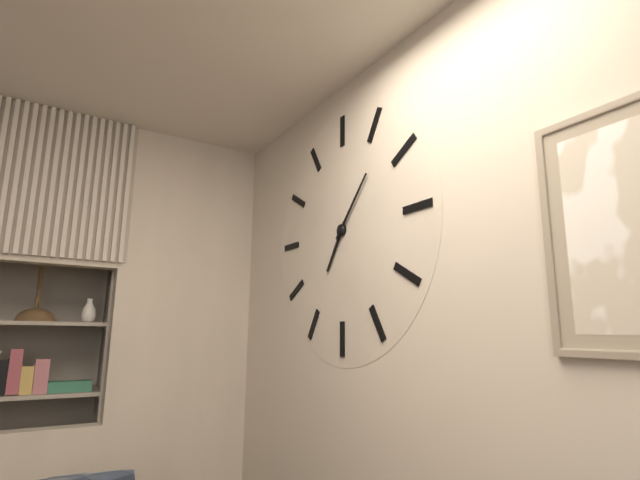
h=7 m=7
